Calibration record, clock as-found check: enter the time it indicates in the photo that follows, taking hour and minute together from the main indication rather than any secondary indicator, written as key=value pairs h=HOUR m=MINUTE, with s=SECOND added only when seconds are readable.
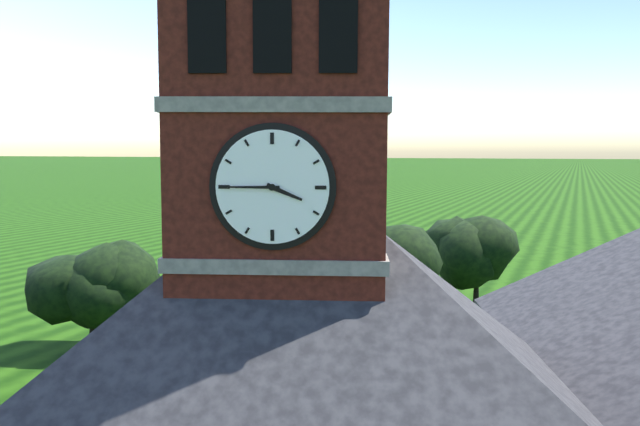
h=3 m=45
